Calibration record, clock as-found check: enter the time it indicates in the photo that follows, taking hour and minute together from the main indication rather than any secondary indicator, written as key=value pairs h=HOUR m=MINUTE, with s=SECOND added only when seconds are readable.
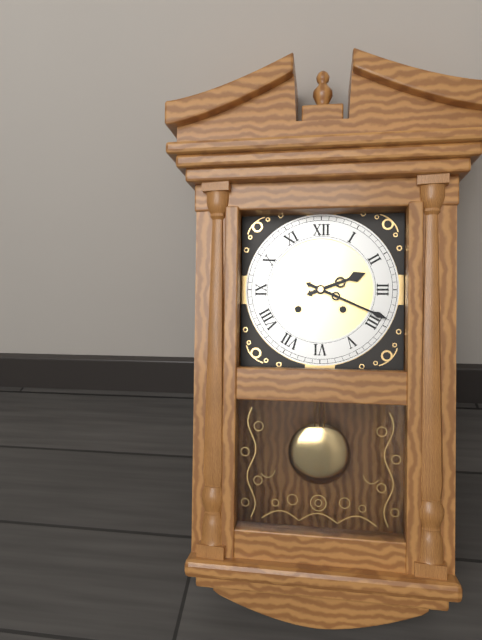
h=2 m=19
